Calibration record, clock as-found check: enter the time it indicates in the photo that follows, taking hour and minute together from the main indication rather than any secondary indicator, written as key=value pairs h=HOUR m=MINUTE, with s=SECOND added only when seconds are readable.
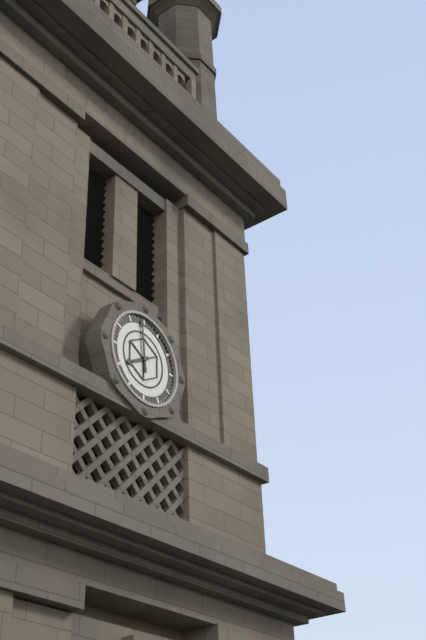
h=7 m=59
